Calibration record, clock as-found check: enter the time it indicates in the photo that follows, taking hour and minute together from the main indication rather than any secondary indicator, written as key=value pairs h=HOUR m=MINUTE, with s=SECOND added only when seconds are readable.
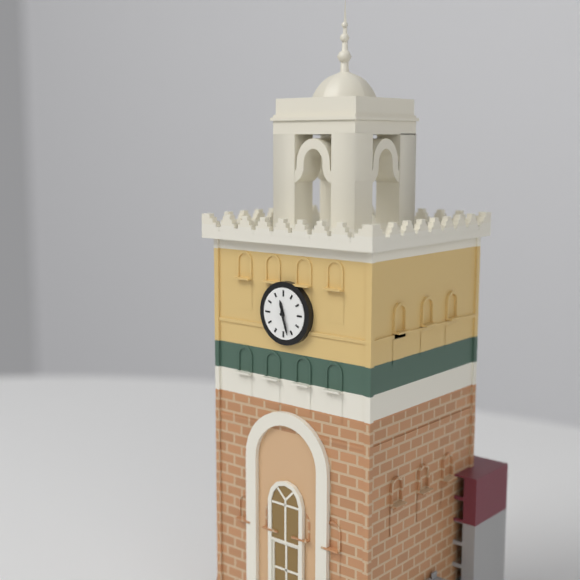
h=11 m=27
